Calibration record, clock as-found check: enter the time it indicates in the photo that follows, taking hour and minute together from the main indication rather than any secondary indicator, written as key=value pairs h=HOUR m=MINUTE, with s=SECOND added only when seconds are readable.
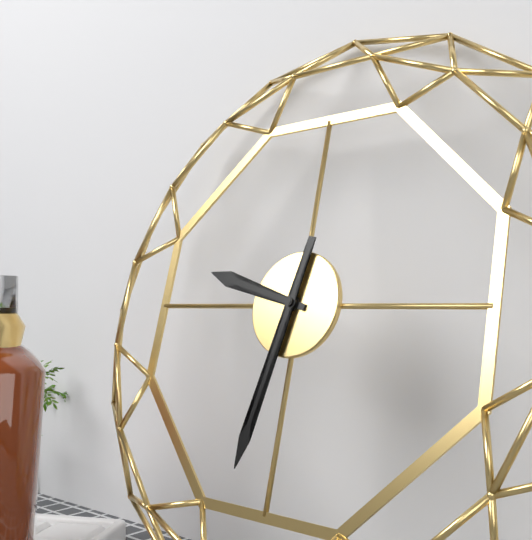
h=9 m=32
